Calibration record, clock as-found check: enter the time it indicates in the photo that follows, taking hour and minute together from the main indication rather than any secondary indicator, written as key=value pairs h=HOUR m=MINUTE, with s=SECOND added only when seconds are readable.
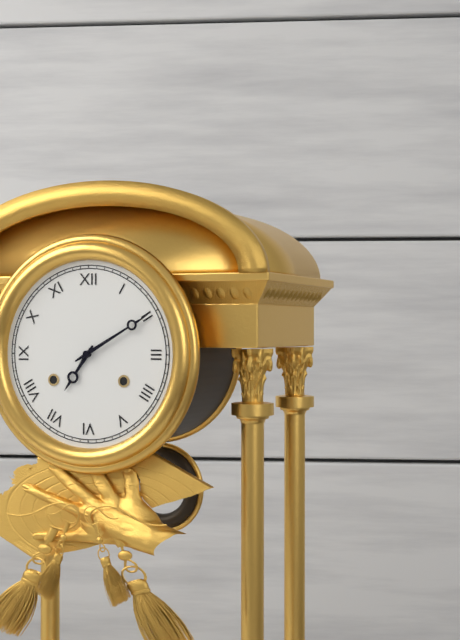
h=7 m=10
